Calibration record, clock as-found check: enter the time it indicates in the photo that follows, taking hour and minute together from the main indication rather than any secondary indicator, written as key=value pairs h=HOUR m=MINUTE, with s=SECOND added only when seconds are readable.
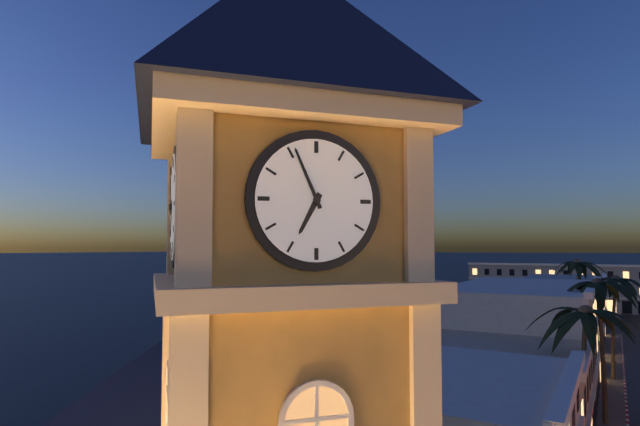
h=6 m=56
